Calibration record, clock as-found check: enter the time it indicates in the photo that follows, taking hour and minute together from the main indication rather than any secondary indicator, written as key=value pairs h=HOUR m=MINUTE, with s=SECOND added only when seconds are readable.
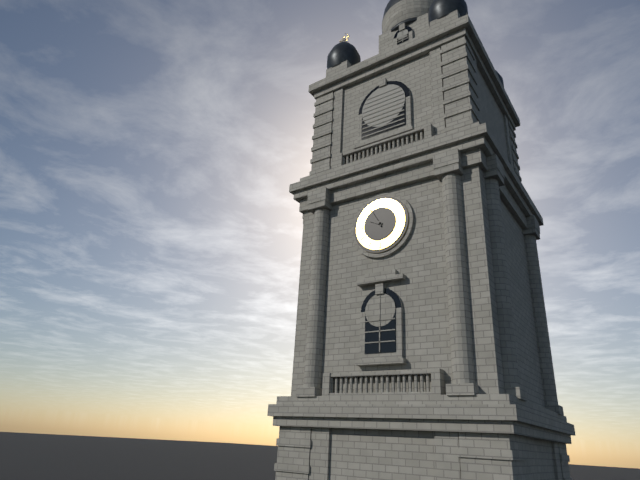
h=9 m=55
